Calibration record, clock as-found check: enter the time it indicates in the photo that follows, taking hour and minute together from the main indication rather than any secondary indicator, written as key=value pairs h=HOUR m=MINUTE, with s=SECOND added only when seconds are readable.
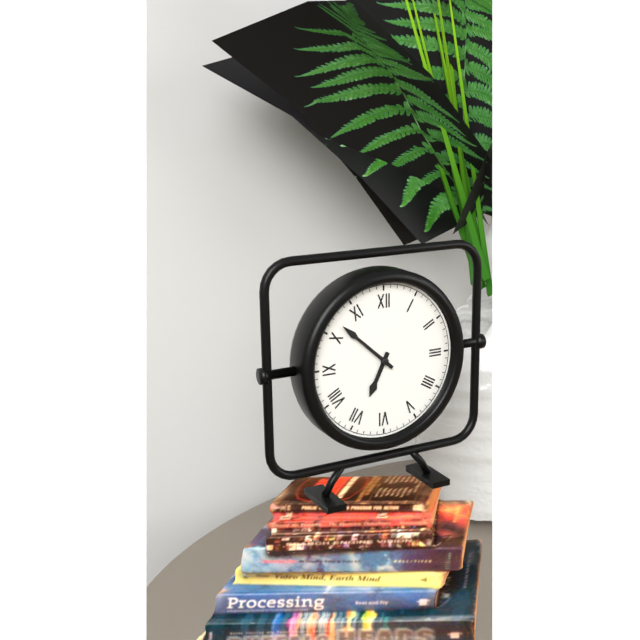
h=6 m=52
